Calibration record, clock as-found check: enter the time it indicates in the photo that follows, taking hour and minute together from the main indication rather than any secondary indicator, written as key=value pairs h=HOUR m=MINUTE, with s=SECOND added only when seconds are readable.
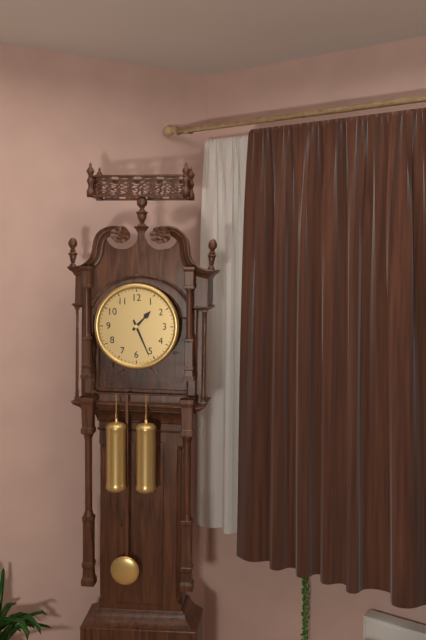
h=1 m=26
